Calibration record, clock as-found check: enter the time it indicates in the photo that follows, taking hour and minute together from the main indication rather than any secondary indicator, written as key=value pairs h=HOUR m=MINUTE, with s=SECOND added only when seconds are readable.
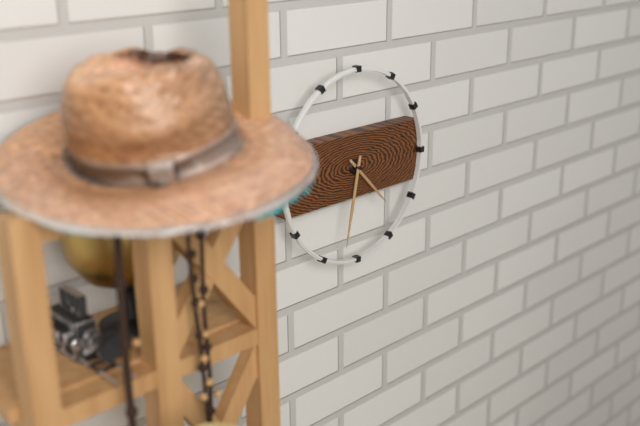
h=4 m=32
